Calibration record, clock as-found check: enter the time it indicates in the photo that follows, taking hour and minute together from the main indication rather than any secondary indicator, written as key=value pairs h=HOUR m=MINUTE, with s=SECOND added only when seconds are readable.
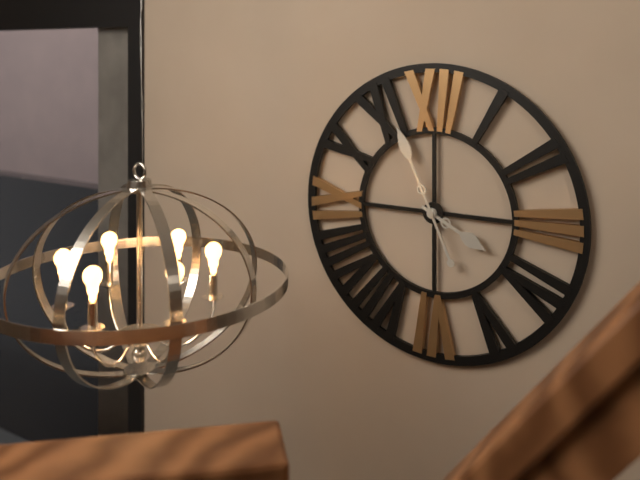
h=3 m=56
